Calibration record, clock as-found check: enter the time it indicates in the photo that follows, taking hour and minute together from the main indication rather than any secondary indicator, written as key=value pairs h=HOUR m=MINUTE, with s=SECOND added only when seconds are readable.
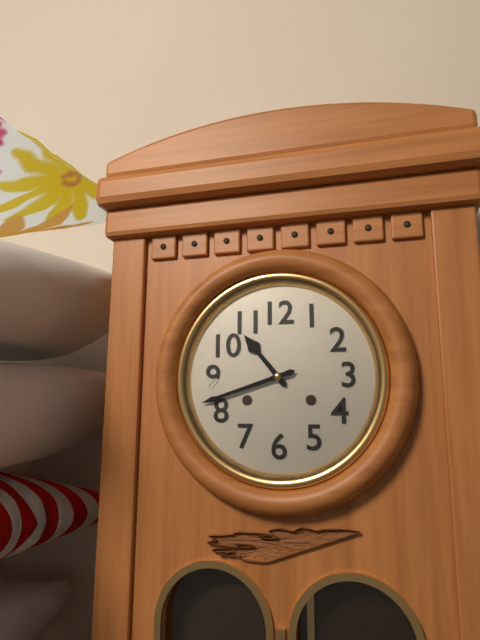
h=10 m=42
